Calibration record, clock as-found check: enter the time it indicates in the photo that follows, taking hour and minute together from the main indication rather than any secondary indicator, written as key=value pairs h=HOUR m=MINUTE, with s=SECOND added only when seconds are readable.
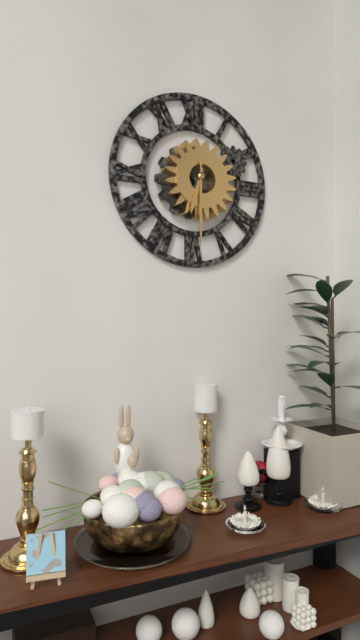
h=6 m=30
